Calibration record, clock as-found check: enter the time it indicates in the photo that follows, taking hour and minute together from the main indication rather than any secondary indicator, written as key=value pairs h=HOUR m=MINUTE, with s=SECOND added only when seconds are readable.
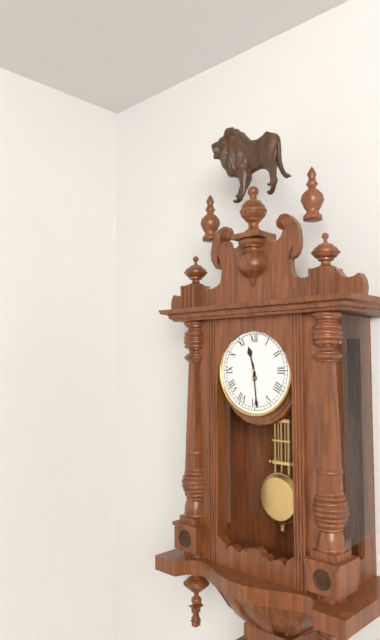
h=11 m=29
